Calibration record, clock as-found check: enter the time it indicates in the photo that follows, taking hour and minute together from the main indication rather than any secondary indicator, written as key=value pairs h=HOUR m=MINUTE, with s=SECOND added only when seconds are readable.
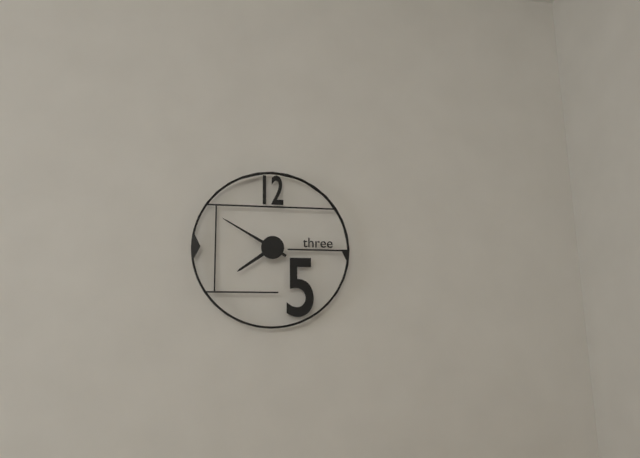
h=7 m=50
